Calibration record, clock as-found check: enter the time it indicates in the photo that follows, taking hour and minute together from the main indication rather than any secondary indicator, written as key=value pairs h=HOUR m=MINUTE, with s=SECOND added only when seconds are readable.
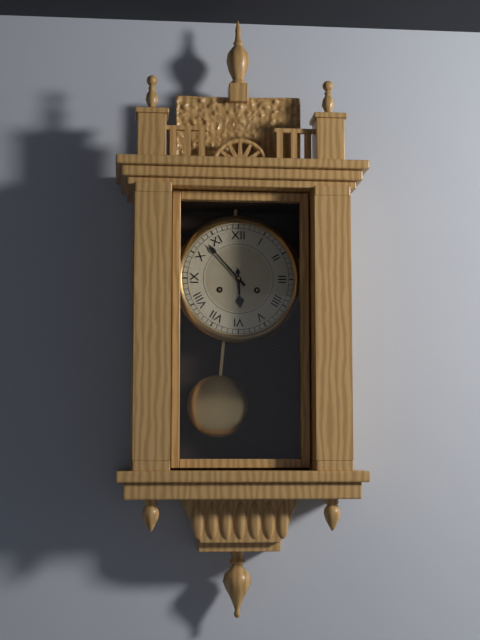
h=5 m=53
